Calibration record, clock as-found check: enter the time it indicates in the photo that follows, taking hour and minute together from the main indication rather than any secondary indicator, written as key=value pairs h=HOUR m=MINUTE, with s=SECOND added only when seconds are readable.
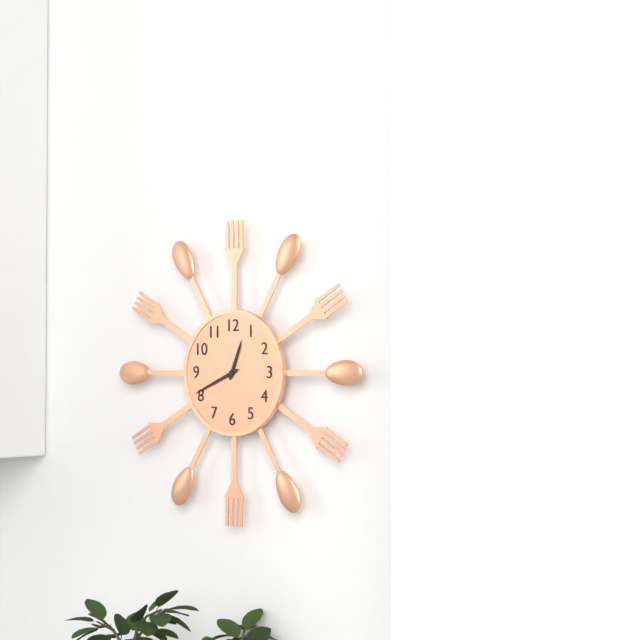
h=12 m=41
